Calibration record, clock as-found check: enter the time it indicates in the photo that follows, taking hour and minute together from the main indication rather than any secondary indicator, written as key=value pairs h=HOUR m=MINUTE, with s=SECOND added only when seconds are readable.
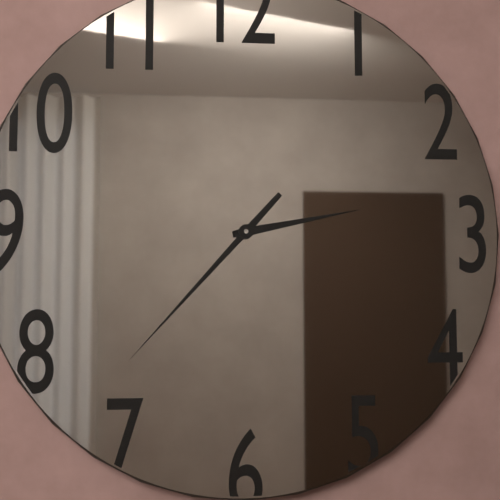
h=2 m=37
